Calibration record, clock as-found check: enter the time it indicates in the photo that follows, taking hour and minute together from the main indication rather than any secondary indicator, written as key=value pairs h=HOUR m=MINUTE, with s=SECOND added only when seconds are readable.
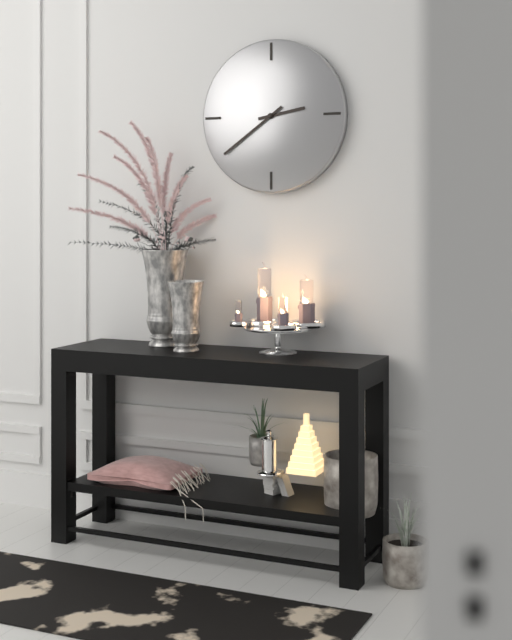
h=2 m=39
